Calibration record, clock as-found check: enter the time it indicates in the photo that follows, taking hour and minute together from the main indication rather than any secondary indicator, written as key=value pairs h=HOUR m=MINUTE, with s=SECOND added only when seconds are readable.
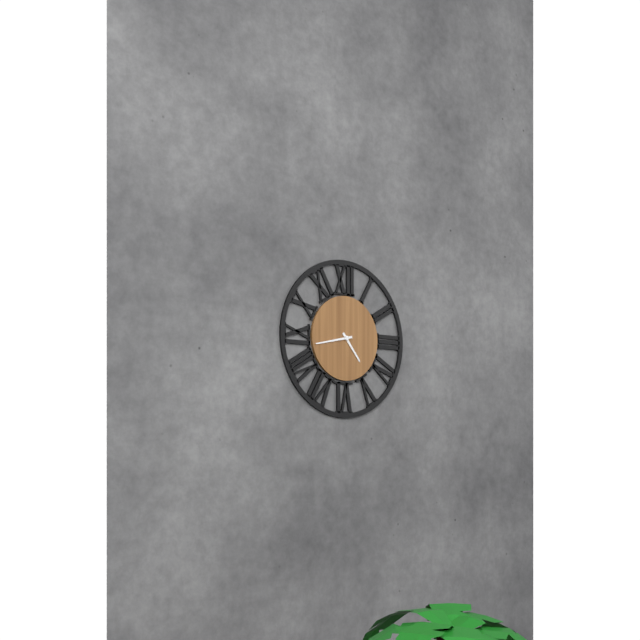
h=4 m=43
